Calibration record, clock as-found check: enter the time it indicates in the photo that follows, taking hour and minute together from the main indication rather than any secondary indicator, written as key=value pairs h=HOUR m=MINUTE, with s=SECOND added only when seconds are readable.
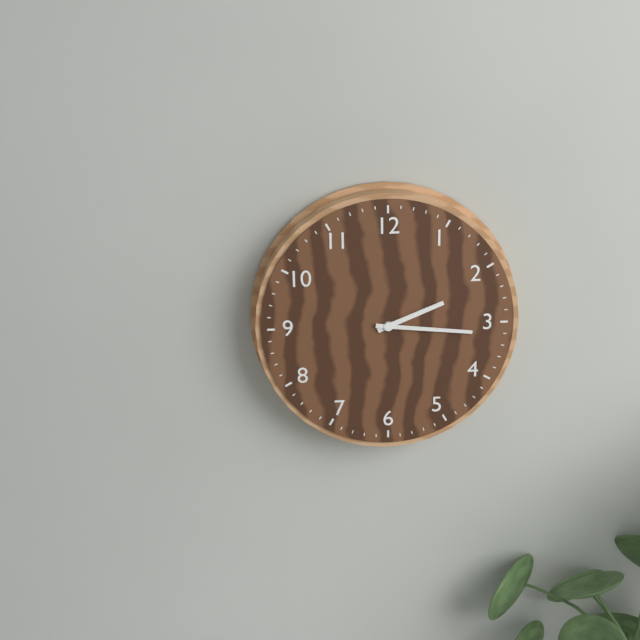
h=2 m=16
